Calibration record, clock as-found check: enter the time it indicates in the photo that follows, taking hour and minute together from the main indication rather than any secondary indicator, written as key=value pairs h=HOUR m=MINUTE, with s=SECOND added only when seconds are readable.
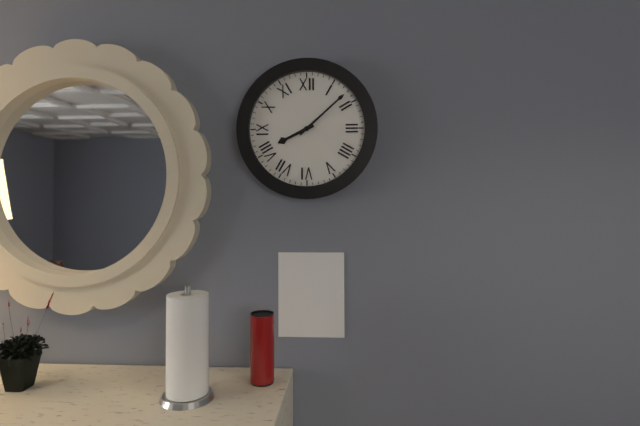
h=8 m=8
